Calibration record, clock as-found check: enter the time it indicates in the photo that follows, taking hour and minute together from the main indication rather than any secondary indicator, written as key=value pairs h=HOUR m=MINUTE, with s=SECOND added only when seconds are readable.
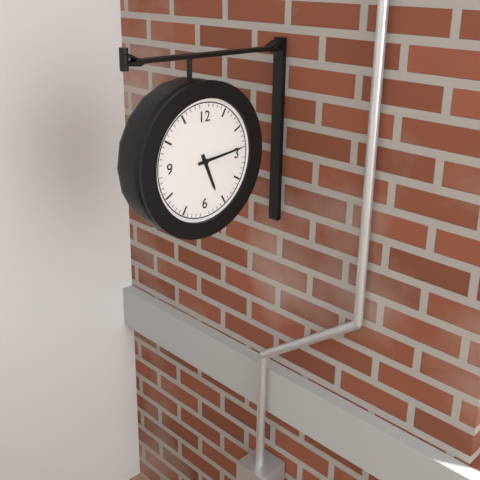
h=5 m=14
